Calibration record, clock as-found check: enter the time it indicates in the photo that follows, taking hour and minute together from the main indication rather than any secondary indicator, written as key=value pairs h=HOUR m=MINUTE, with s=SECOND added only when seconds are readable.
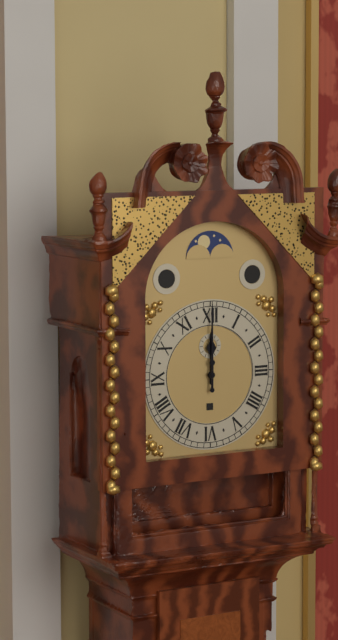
h=12 m=0
